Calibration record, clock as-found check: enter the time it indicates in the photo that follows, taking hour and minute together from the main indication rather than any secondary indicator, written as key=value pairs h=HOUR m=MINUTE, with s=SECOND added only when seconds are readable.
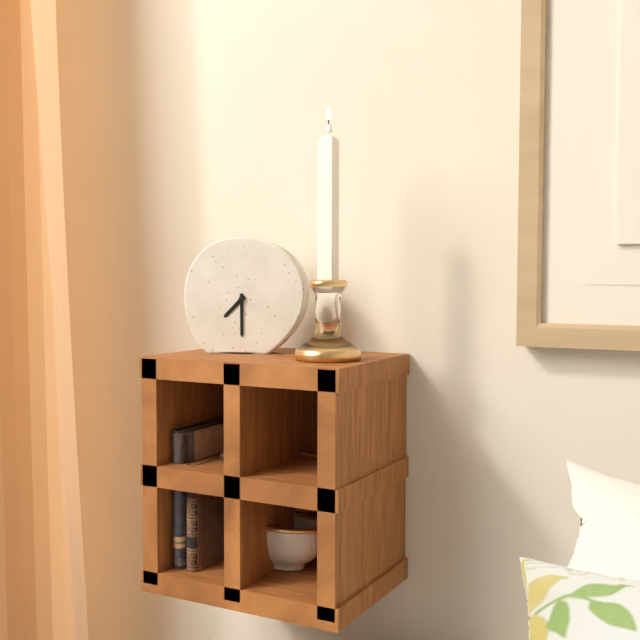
h=7 m=30
